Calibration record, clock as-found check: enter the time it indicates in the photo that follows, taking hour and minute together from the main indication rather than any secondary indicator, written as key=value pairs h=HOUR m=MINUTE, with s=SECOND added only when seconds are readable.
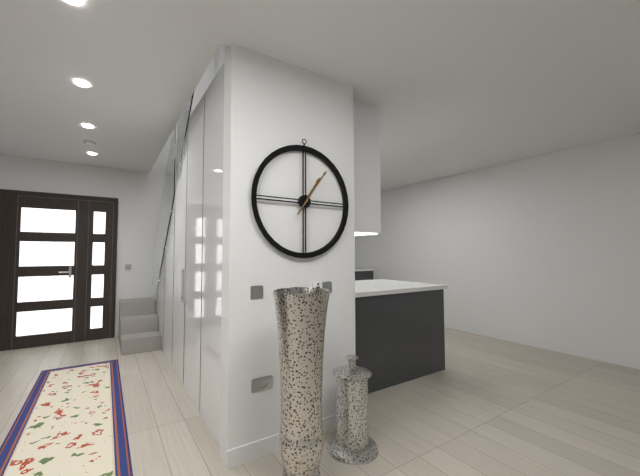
h=1 m=6
